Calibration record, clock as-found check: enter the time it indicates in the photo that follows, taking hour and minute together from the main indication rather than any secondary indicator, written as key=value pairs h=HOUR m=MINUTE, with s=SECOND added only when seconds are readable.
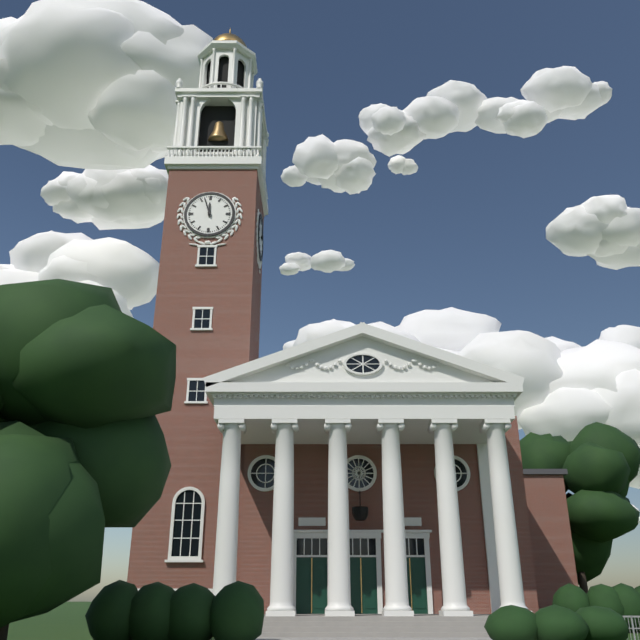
h=11 m=57
